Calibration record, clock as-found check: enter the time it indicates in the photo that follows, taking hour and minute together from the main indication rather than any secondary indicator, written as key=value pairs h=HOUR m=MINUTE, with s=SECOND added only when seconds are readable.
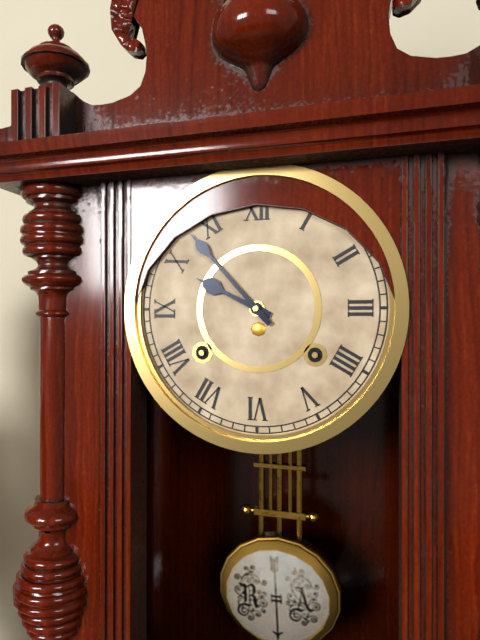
h=9 m=53
